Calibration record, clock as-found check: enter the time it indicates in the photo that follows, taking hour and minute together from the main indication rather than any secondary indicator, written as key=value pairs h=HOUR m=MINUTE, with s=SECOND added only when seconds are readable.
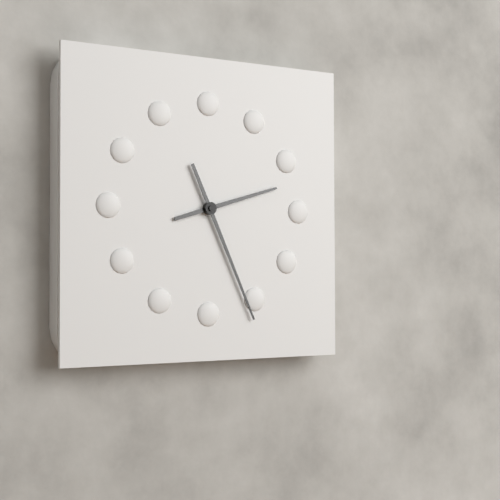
h=2 m=26
